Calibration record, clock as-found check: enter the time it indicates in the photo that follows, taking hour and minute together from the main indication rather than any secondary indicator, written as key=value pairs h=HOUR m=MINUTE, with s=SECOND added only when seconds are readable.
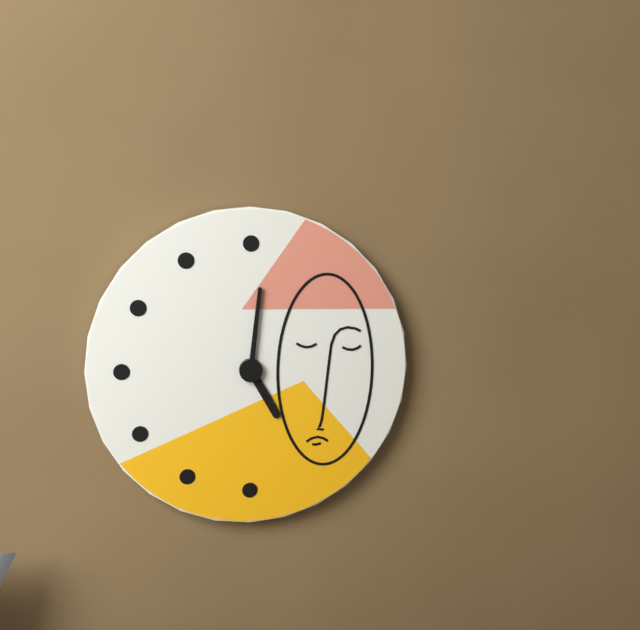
h=5 m=1
